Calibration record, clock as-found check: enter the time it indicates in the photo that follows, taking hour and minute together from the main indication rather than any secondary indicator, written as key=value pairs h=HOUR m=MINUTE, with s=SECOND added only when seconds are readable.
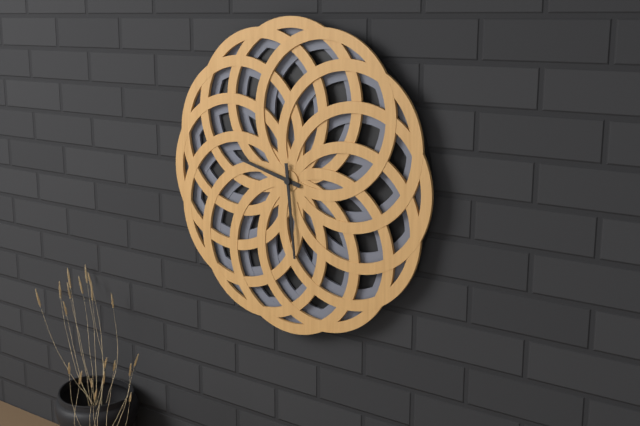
h=9 m=29
